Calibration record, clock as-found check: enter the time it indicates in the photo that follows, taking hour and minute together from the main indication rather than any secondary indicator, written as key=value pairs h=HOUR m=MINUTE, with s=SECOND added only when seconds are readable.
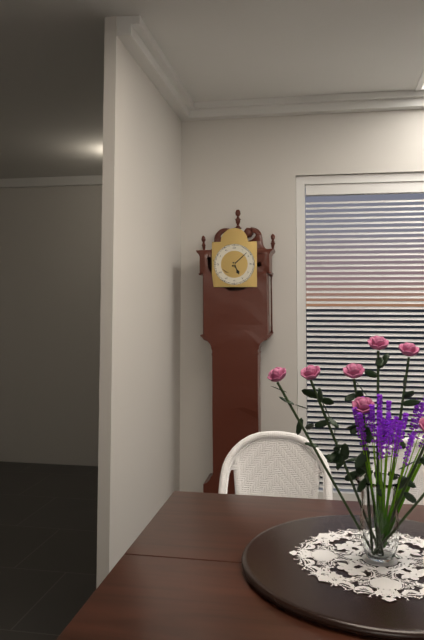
h=5 m=8
